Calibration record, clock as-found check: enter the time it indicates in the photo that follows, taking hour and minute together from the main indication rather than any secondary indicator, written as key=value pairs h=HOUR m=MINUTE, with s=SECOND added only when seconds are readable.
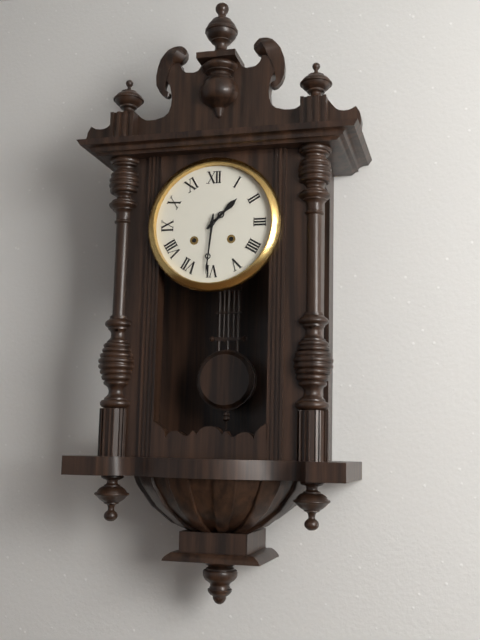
h=1 m=31
